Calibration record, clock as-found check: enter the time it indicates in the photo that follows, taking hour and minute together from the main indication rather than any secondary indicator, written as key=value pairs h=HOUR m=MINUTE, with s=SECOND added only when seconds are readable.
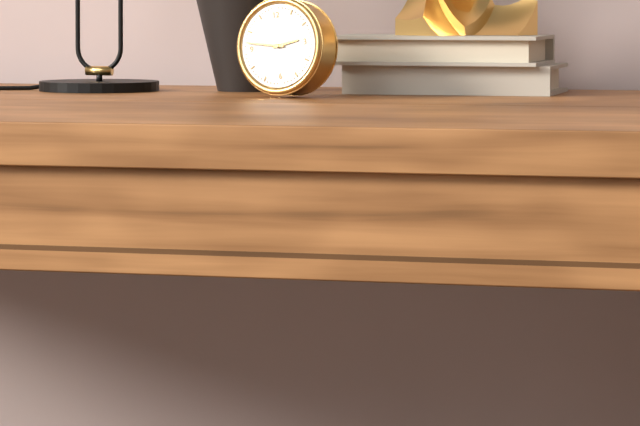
h=2 m=47
